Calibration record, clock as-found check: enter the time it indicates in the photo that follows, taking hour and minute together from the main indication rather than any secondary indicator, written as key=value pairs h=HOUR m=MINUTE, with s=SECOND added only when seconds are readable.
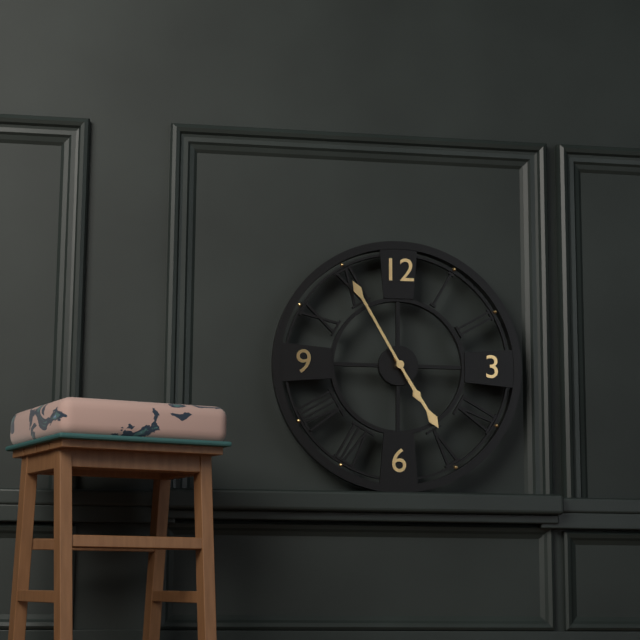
h=4 m=55
